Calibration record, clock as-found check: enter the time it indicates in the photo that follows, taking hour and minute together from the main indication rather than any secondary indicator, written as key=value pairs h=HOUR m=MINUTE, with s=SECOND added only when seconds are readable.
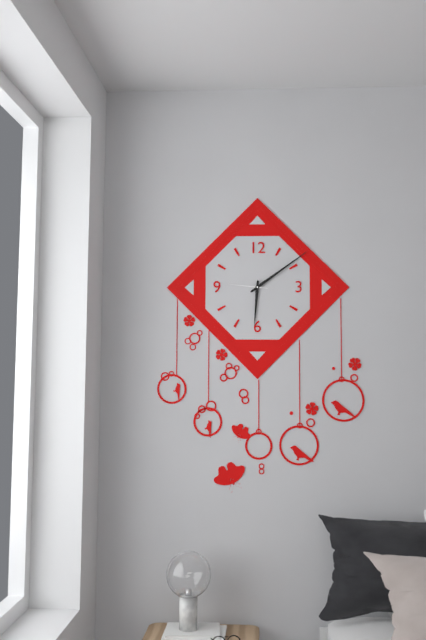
h=6 m=9
